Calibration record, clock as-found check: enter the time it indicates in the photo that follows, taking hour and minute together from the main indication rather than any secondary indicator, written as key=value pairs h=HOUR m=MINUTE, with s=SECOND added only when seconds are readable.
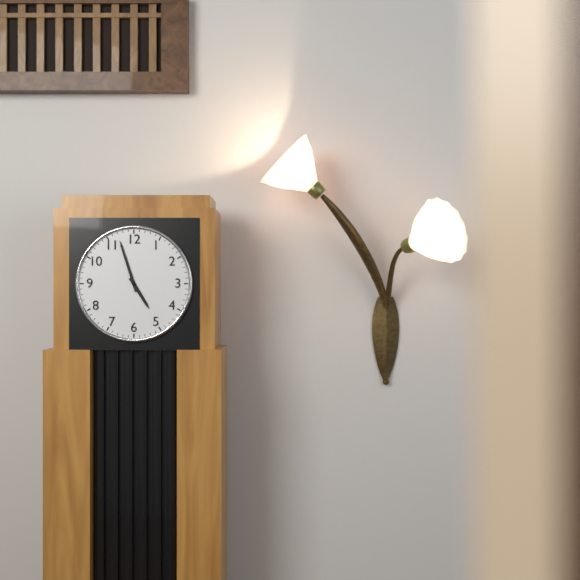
h=4 m=57
